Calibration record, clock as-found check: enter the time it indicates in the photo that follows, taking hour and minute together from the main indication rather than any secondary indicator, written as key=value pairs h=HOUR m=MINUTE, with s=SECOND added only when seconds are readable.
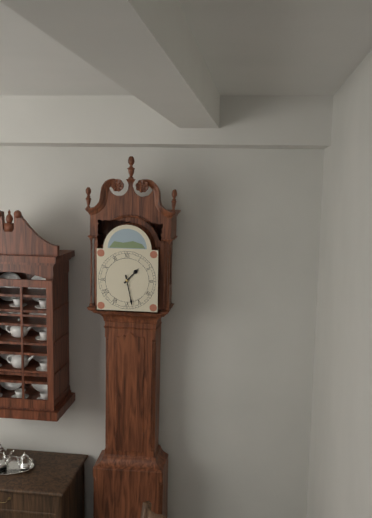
h=1 m=28
